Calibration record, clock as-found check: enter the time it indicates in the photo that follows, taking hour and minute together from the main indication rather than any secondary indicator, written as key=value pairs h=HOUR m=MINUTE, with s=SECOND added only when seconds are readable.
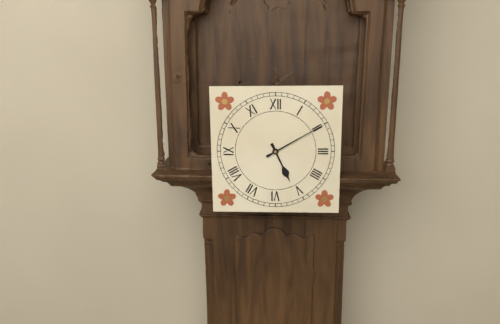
h=5 m=10
